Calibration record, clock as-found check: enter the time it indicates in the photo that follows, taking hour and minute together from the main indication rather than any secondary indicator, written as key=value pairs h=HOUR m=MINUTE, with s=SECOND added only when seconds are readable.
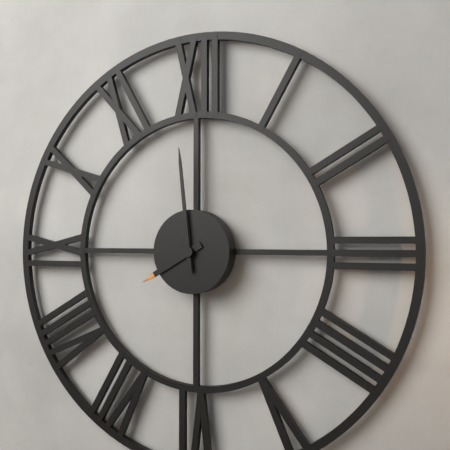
h=7 m=59
